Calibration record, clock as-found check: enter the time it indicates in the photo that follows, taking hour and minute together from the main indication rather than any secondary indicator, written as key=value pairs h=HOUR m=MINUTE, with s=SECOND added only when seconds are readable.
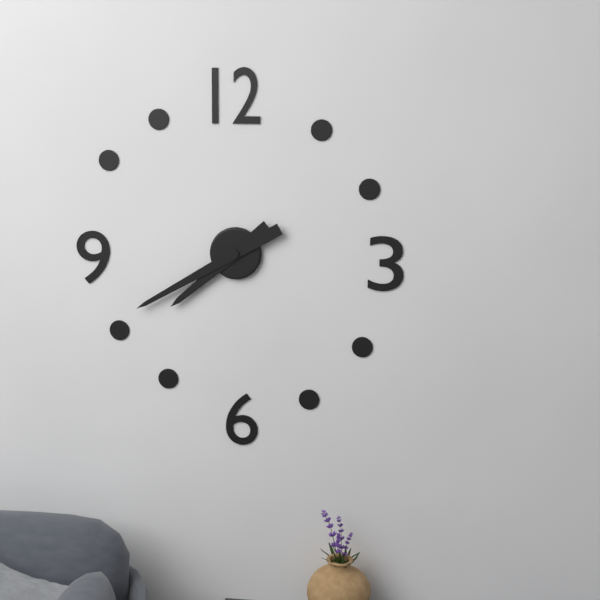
h=7 m=40
